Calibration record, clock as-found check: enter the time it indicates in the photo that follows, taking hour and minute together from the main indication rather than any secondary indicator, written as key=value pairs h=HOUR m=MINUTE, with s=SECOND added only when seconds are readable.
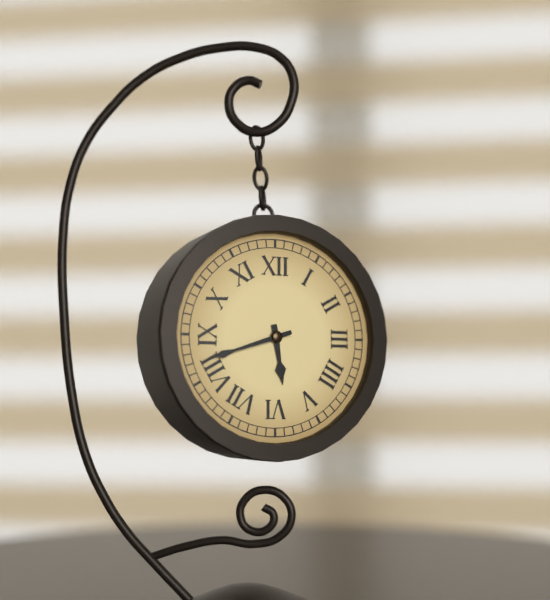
h=5 m=42
